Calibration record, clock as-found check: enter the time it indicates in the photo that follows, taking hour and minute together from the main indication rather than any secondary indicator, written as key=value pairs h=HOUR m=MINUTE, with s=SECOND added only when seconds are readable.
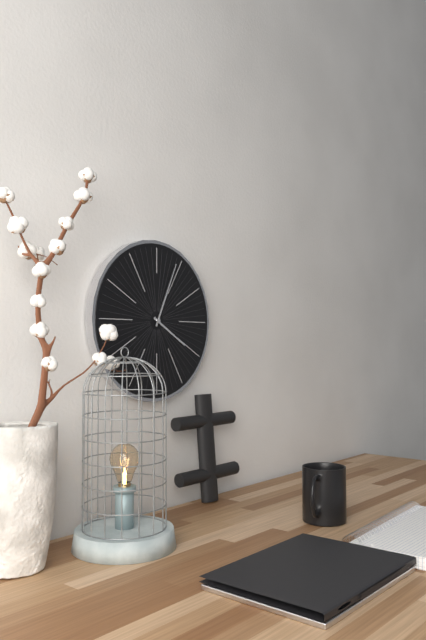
h=4 m=4
